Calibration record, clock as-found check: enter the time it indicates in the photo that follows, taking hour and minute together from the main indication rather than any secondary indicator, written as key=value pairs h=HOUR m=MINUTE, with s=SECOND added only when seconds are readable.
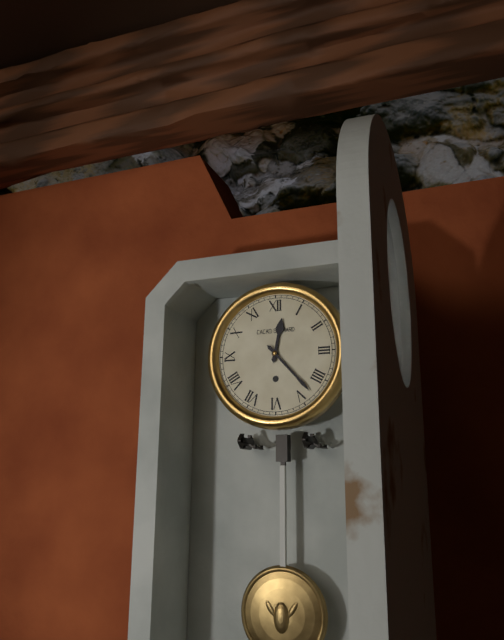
h=12 m=23
